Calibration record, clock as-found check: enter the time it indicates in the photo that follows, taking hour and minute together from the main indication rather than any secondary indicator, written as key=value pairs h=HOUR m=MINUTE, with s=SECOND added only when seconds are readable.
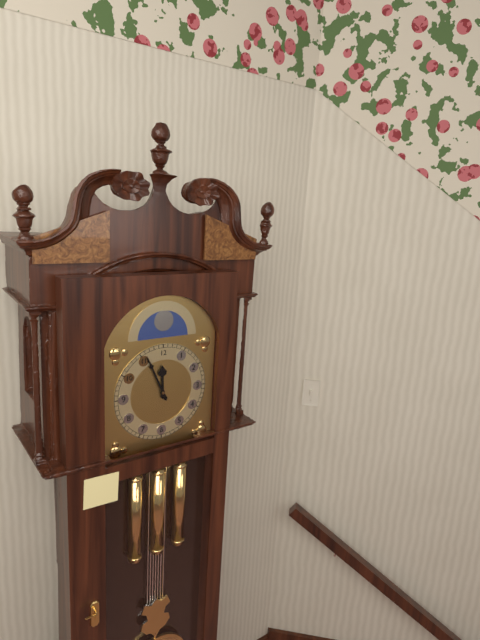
h=11 m=56
